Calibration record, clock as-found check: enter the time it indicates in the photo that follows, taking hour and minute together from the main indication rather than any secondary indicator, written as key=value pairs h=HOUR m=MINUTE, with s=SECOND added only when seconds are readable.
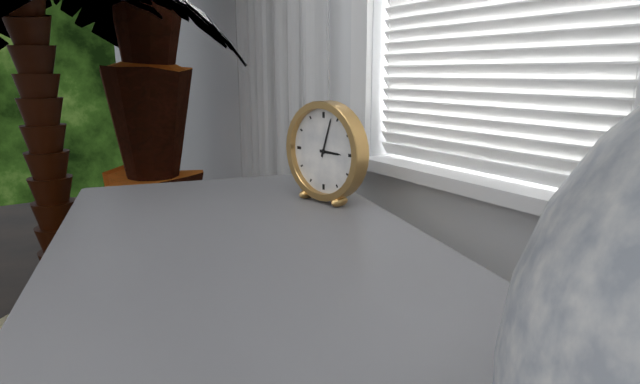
h=3 m=3
